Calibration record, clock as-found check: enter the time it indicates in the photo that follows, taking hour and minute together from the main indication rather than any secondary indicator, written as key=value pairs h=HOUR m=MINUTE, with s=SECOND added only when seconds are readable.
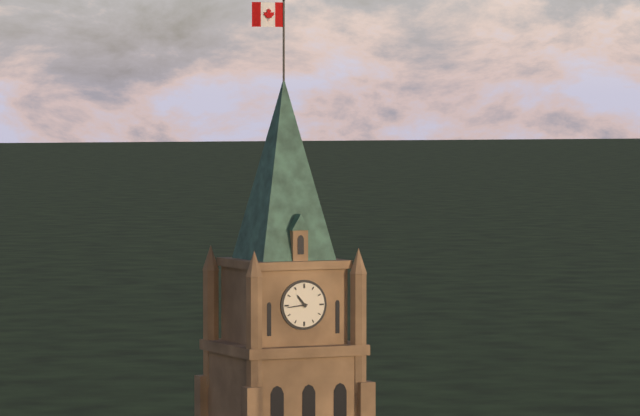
h=10 m=44
